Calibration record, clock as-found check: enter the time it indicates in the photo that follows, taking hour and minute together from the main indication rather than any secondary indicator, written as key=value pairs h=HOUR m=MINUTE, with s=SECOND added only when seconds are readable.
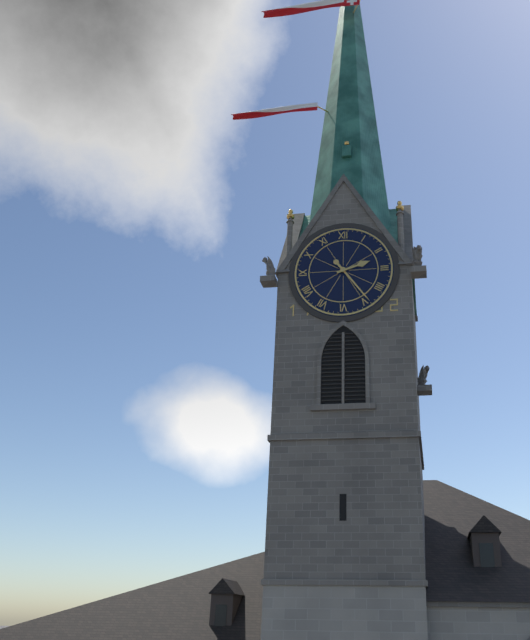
h=2 m=24
